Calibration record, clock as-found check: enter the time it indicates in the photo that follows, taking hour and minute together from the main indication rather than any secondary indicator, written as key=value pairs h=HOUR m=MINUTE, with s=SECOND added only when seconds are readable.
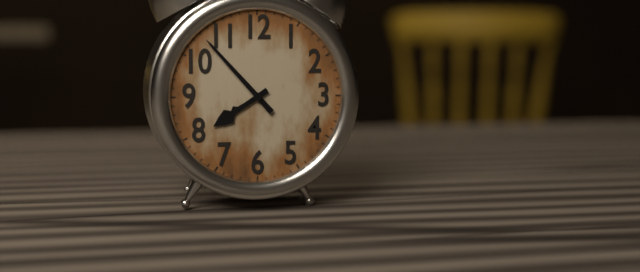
h=7 m=53
